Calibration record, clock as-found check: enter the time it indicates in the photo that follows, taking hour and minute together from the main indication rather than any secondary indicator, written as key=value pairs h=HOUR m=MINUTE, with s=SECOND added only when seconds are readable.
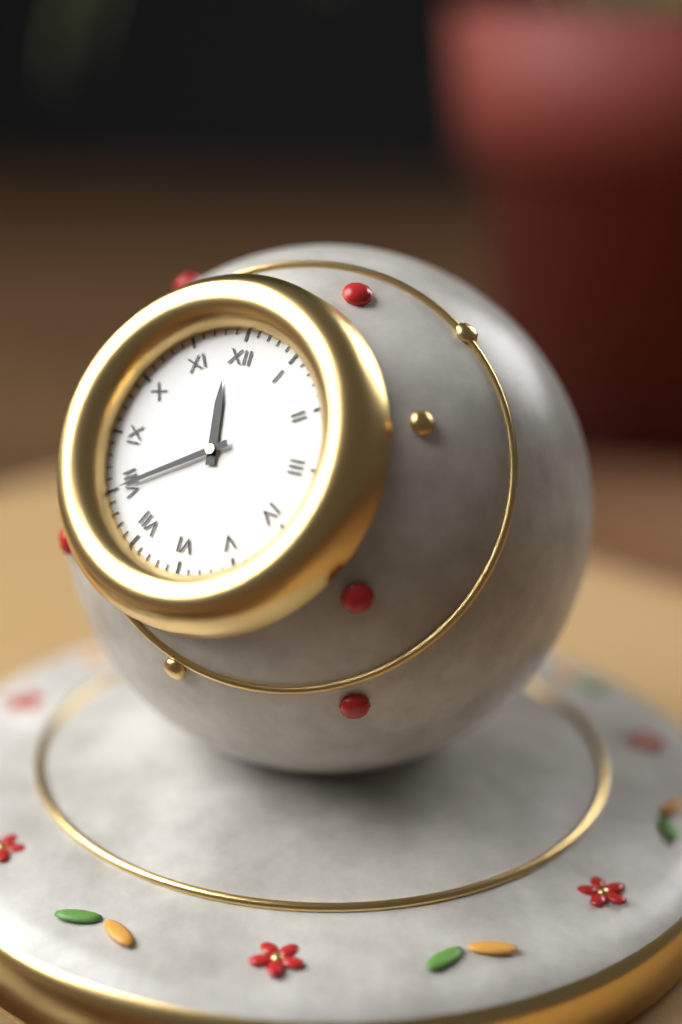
h=11 m=40
